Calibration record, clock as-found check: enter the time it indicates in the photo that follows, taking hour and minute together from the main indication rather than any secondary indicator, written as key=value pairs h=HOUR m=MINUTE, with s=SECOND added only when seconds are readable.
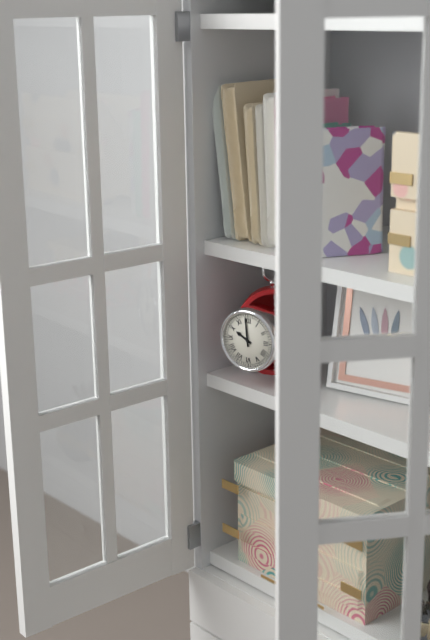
h=9 m=59
